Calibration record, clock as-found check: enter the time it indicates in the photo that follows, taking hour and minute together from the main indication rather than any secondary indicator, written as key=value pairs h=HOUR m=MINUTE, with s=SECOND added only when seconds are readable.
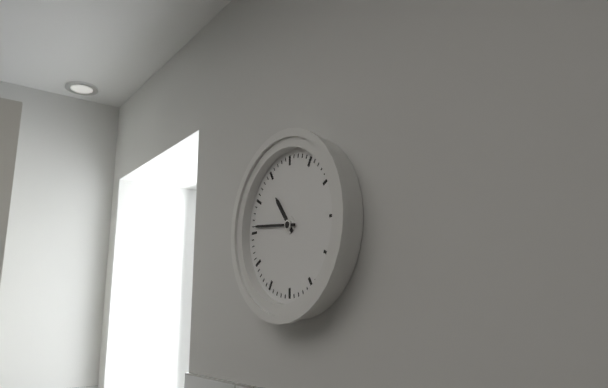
h=10 m=46
